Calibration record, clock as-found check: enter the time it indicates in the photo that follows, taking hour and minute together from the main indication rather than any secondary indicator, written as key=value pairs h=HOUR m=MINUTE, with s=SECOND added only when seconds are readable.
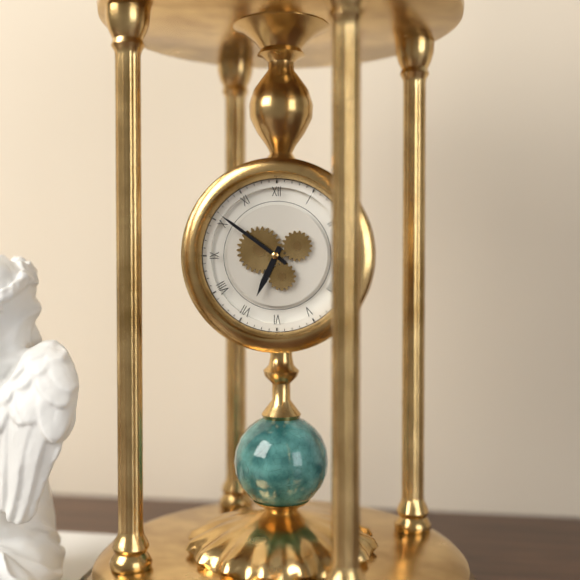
h=6 m=51
